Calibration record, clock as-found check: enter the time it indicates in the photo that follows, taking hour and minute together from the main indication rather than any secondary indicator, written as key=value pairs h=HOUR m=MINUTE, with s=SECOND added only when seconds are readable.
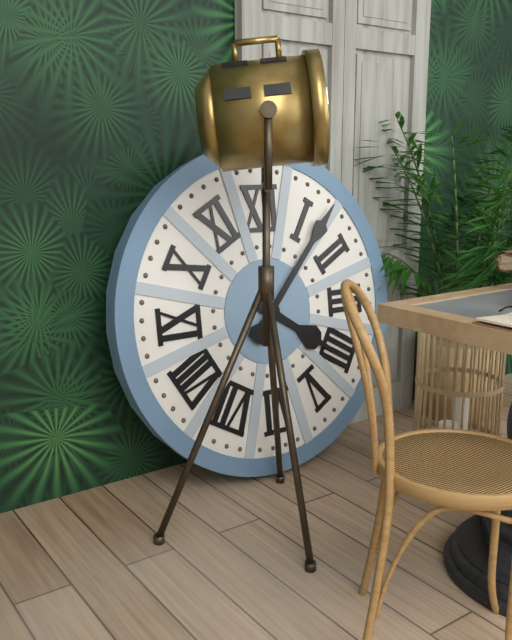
h=4 m=7
